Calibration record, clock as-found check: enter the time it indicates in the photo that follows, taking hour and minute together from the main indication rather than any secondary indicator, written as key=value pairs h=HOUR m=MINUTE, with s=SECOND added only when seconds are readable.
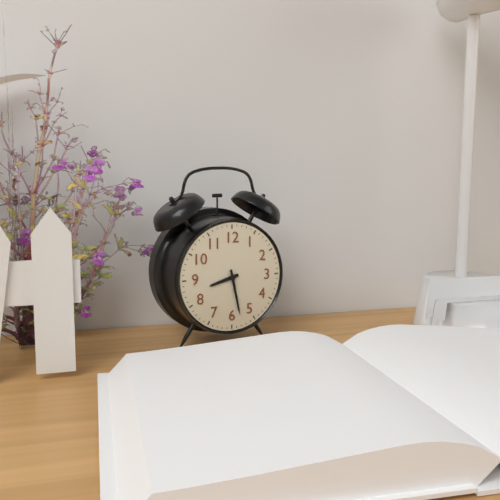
h=8 m=28
